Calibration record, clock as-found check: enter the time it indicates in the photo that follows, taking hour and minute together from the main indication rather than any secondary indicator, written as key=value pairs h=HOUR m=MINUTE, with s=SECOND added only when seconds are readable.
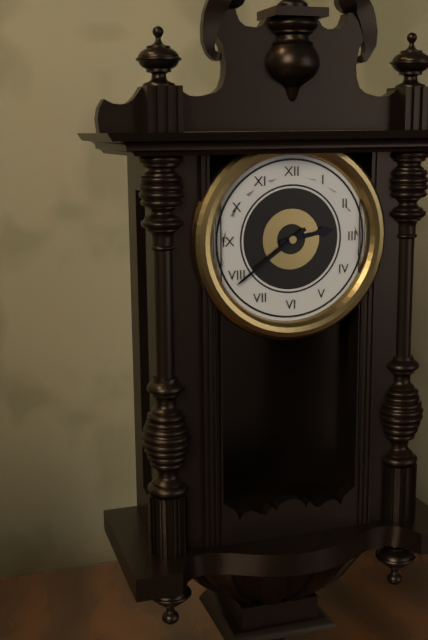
h=2 m=39
